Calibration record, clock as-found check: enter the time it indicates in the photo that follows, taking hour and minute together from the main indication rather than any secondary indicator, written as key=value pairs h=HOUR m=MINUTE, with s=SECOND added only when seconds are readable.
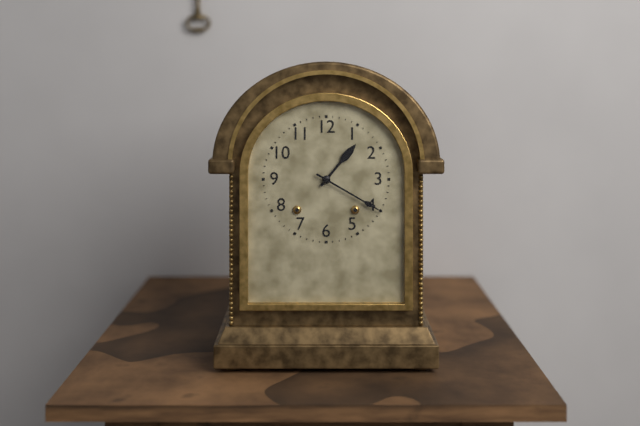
h=1 m=20
